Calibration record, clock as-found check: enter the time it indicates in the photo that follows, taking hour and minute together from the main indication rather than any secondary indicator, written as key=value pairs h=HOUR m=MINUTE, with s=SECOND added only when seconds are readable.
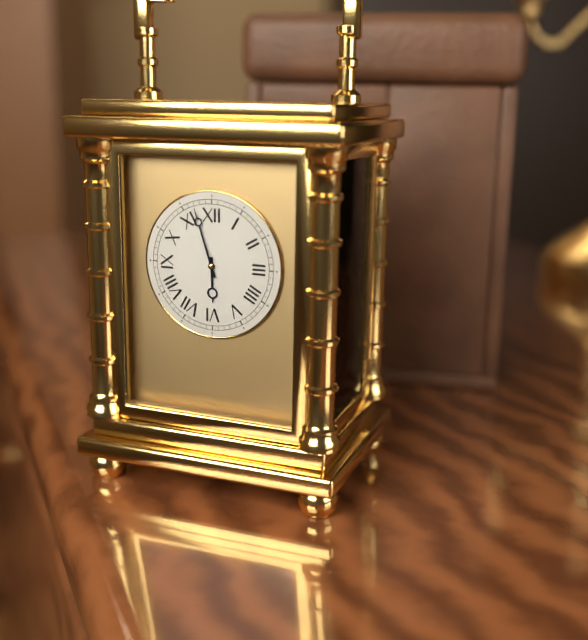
h=5 m=57
